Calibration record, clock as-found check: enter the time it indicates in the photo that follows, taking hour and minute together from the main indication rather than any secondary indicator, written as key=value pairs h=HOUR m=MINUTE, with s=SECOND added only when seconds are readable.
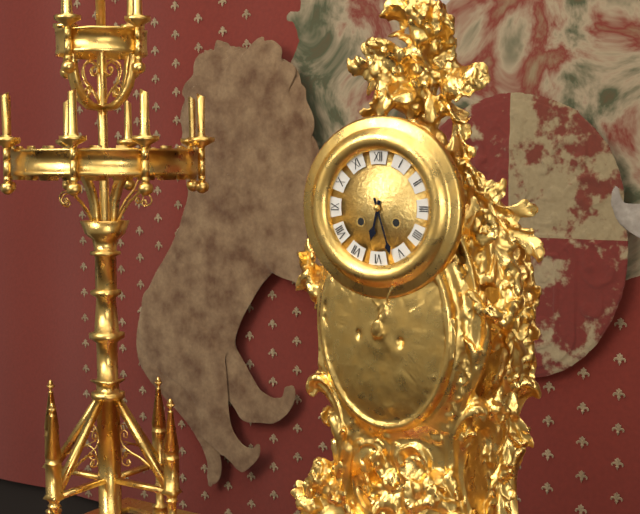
h=6 m=27
